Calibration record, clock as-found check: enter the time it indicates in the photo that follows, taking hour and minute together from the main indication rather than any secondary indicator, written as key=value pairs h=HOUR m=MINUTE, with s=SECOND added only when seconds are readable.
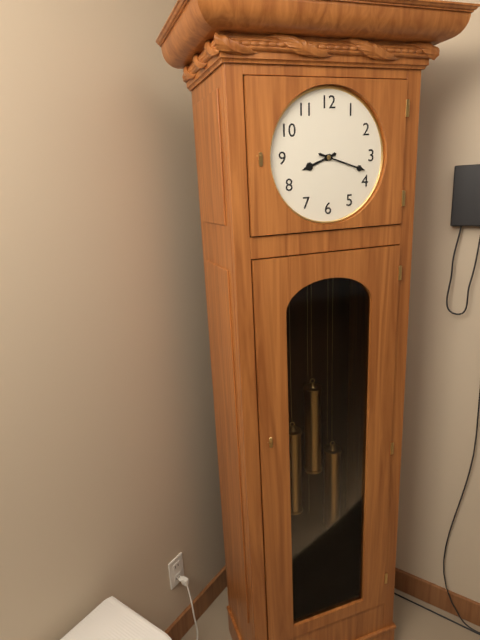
h=8 m=18
